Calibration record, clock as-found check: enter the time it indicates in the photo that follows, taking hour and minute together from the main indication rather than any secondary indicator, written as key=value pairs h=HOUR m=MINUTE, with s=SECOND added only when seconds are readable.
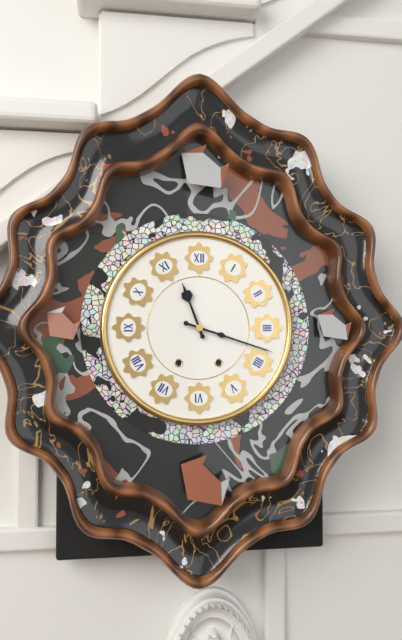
h=11 m=18
